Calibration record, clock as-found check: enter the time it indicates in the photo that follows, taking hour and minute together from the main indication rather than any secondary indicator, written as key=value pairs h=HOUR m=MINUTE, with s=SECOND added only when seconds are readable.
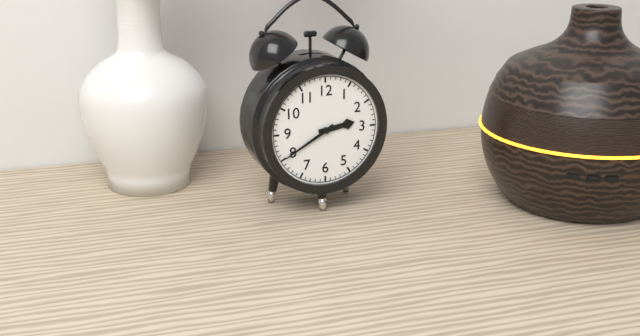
h=2 m=40
